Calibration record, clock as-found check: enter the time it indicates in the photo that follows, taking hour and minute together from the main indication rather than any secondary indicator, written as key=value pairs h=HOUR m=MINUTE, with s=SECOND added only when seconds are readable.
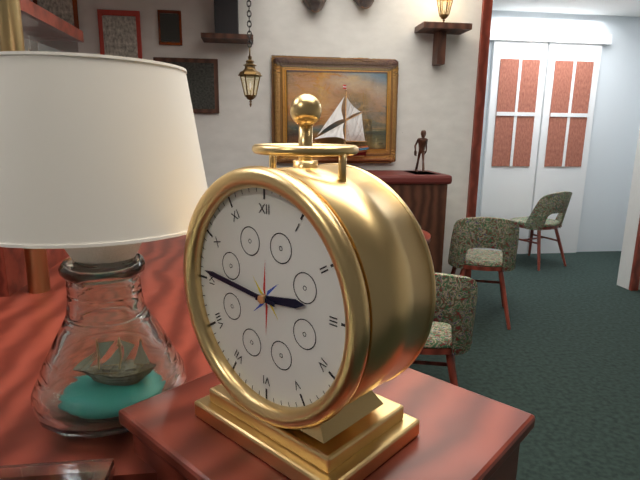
h=2 m=46
